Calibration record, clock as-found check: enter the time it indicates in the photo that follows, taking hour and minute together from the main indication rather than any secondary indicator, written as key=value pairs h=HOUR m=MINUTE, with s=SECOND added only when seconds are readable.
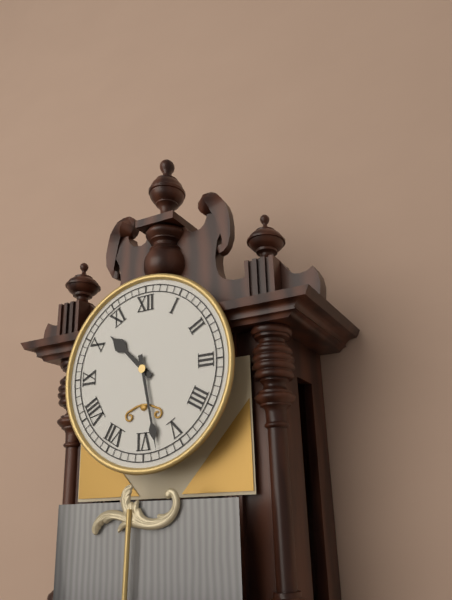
h=10 m=28
